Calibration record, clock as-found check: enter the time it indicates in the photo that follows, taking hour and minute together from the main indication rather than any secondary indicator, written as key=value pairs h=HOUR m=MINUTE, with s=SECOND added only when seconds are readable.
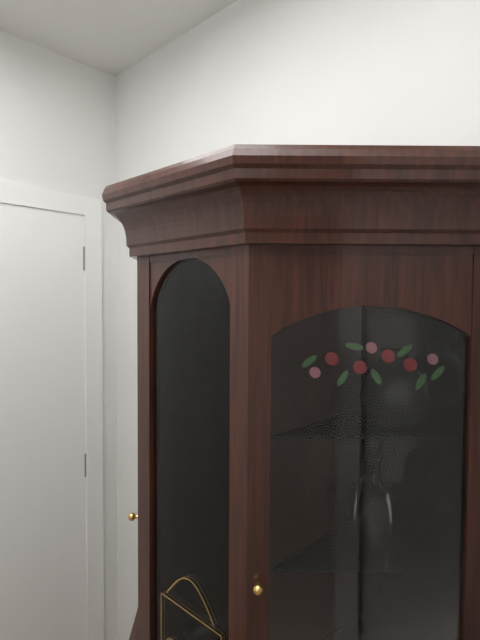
h=10 m=27
